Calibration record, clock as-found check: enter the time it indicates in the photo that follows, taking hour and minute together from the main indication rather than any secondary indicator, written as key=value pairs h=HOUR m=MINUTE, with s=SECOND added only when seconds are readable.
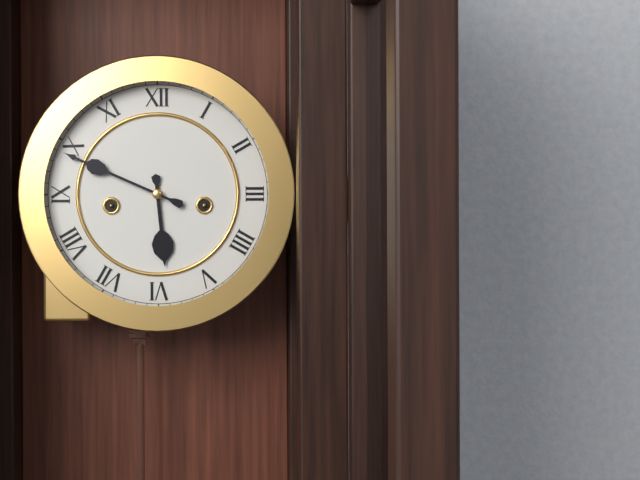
h=5 m=49
